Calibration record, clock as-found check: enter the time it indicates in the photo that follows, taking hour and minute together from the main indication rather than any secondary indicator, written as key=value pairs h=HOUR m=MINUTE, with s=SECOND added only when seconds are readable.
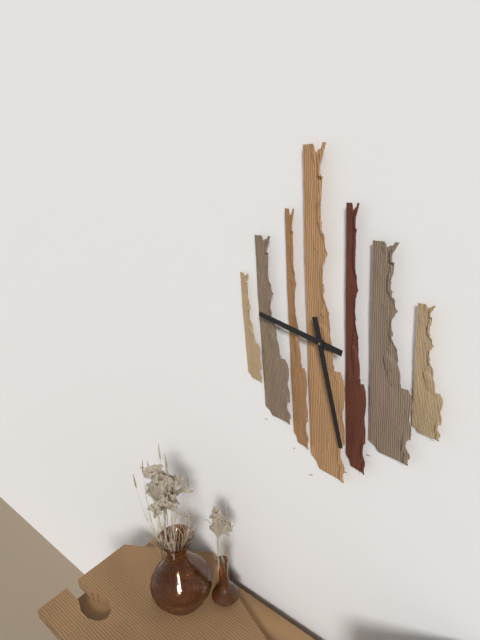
h=9 m=28
